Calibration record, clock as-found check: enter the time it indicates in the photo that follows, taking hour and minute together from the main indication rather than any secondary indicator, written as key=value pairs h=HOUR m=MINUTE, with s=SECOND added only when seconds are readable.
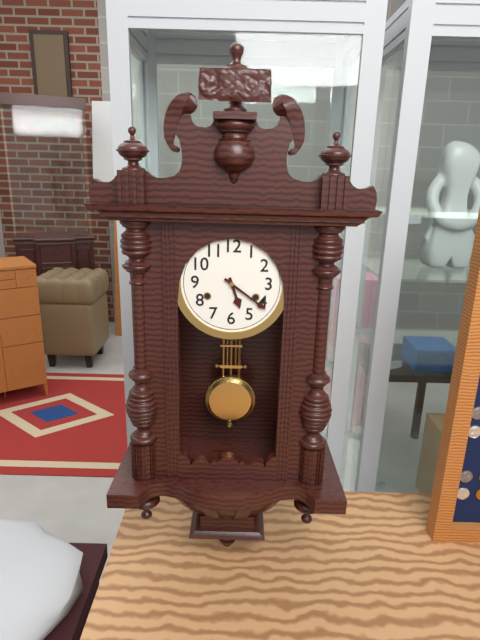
h=5 m=21
